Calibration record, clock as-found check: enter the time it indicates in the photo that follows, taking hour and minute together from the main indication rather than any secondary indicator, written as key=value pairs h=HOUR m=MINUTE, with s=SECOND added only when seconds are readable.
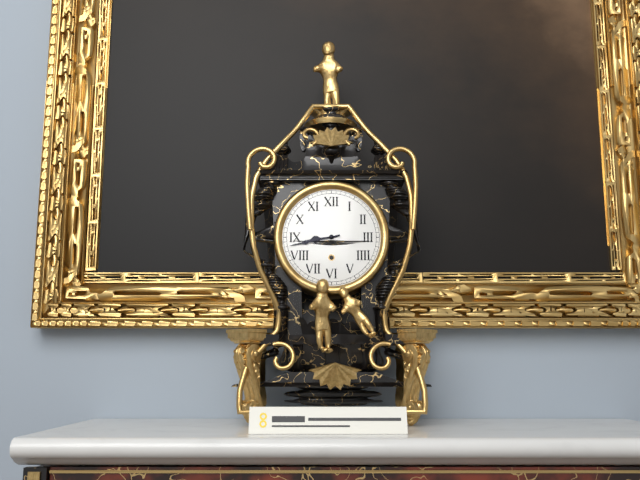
h=8 m=43
